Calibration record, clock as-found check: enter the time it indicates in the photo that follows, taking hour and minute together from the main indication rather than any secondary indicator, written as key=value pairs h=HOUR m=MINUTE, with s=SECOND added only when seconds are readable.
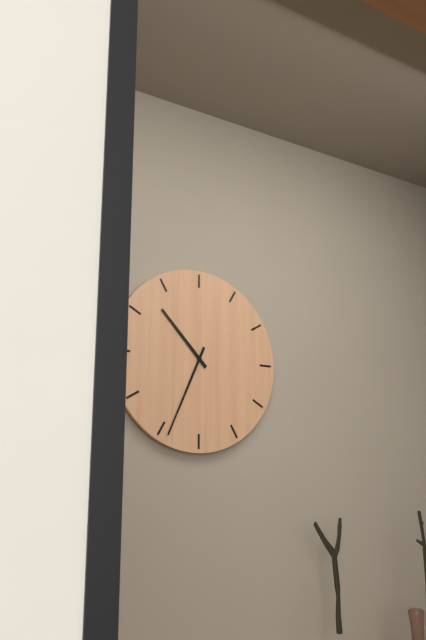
h=10 m=34
